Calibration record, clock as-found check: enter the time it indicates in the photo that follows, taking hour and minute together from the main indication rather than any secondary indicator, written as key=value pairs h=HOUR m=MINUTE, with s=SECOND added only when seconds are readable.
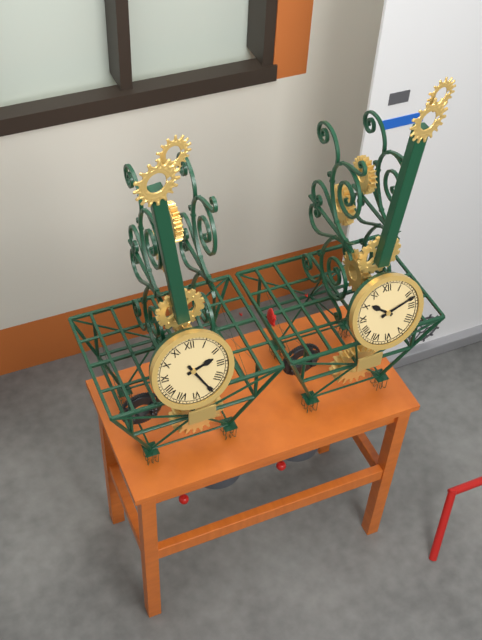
h=2 m=25
